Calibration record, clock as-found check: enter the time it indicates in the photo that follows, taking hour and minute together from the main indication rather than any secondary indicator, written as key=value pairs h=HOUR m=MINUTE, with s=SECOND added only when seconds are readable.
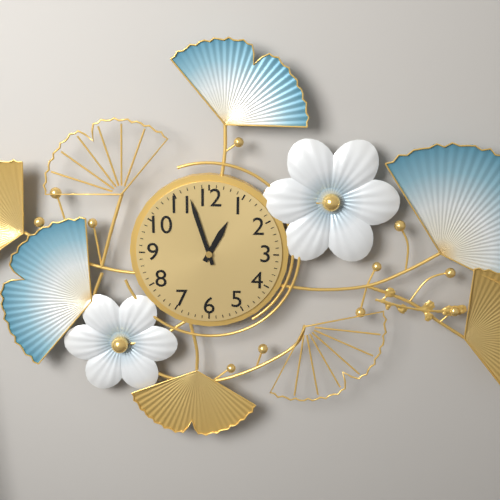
h=12 m=57
